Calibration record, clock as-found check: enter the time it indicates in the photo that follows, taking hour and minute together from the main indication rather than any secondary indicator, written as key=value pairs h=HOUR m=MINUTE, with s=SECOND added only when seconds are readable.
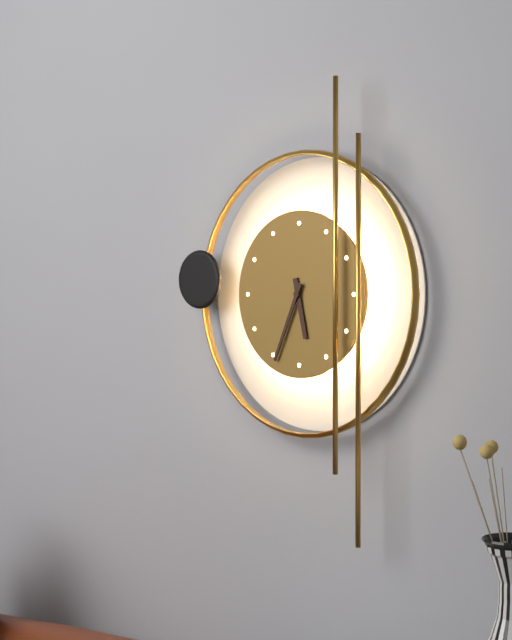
h=5 m=34
